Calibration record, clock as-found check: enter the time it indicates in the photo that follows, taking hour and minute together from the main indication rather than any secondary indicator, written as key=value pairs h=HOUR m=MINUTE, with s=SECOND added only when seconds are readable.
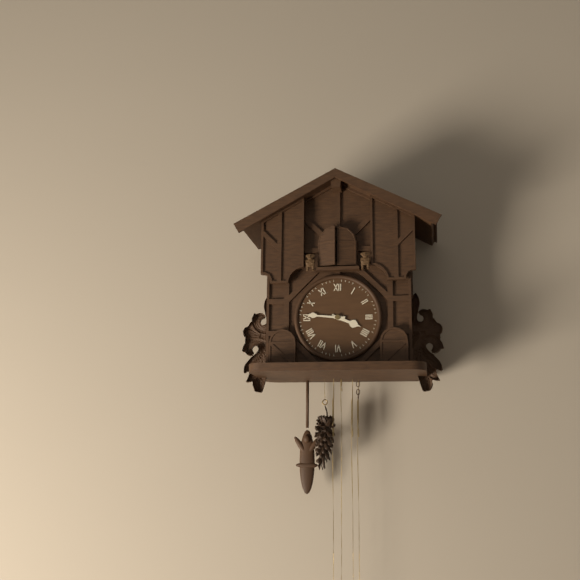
h=3 m=46
